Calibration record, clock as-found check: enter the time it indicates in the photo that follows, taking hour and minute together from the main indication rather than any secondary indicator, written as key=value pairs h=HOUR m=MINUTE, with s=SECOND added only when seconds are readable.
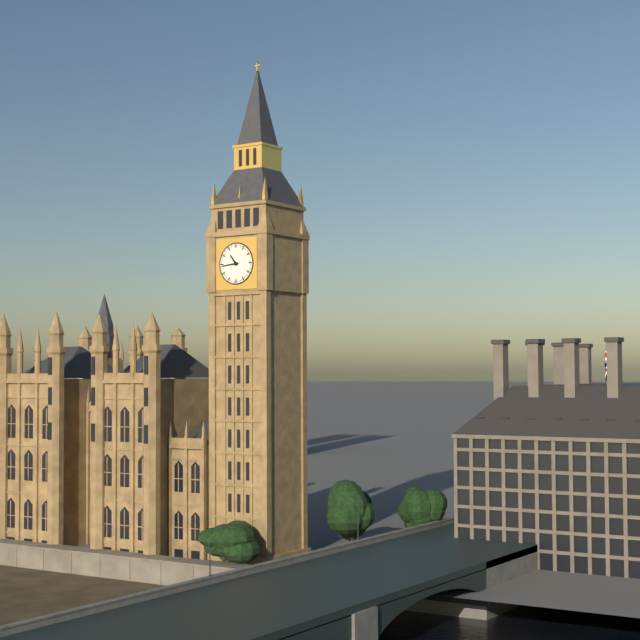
h=10 m=44
